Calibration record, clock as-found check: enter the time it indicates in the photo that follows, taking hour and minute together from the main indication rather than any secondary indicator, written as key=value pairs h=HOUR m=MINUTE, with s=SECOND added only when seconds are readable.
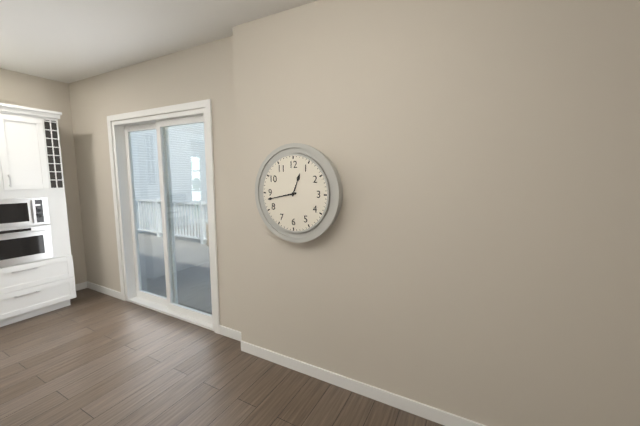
h=12 m=43
